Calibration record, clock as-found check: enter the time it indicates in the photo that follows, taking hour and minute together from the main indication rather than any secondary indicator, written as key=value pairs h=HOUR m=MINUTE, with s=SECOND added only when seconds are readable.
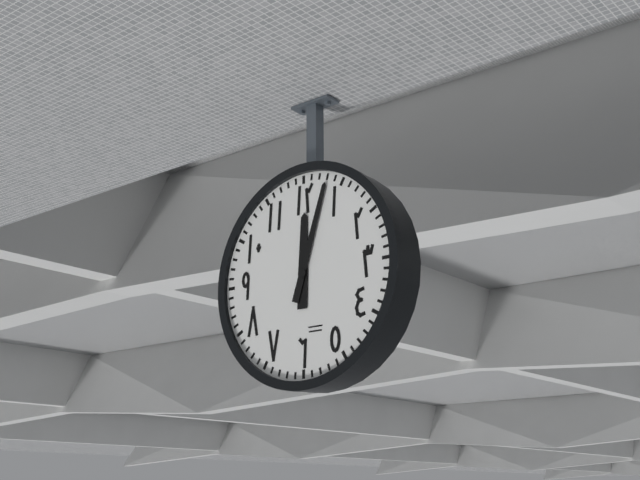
h=12 m=3
